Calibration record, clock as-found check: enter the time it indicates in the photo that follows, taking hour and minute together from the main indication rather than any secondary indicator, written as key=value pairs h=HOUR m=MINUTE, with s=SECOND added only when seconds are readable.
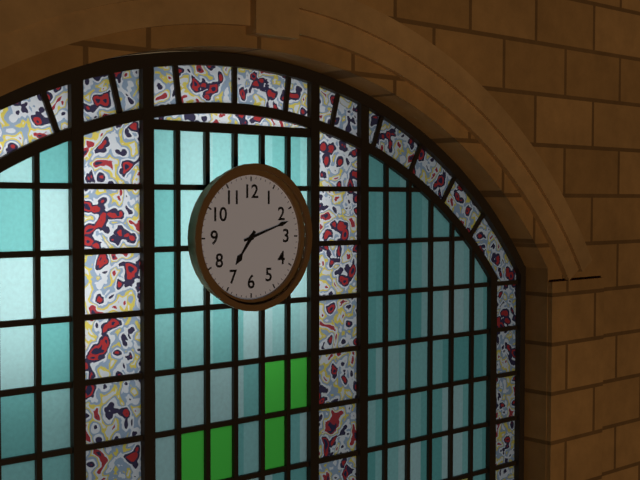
h=7 m=12
